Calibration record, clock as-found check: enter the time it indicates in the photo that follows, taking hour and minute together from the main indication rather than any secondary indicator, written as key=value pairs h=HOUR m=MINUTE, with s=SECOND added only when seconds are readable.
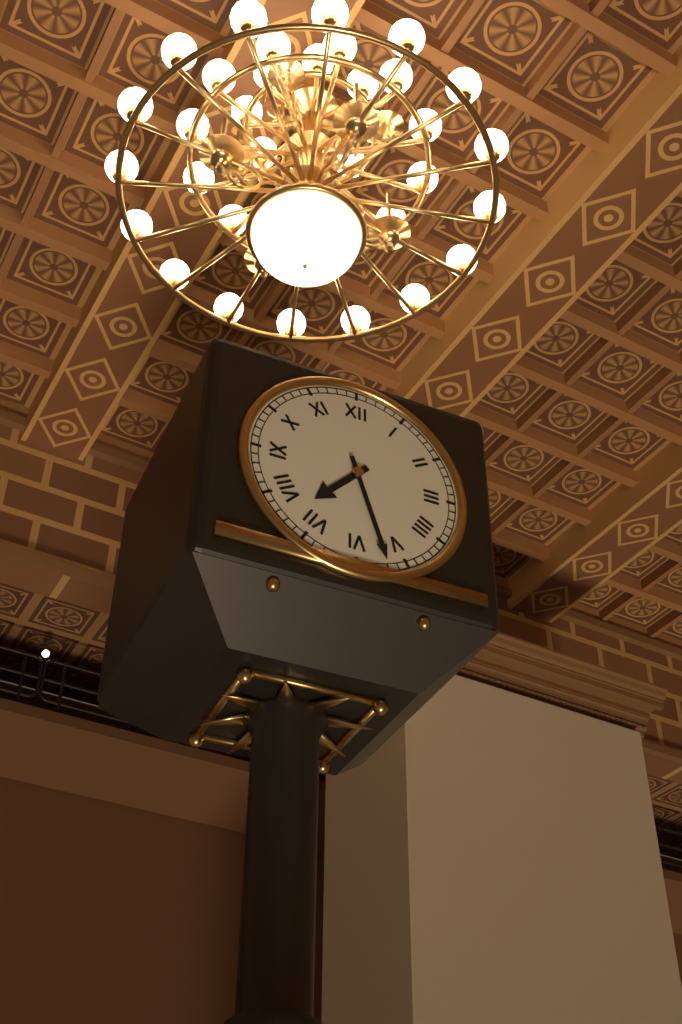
h=7 m=27
